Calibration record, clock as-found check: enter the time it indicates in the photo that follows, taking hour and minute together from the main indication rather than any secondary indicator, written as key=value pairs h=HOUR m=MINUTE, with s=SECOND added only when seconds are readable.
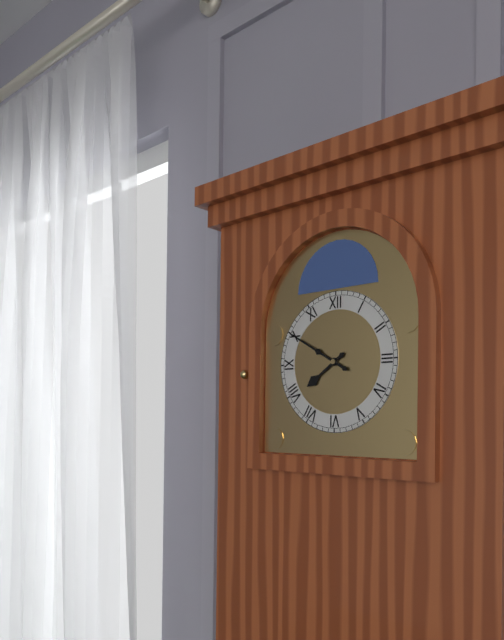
h=7 m=50
